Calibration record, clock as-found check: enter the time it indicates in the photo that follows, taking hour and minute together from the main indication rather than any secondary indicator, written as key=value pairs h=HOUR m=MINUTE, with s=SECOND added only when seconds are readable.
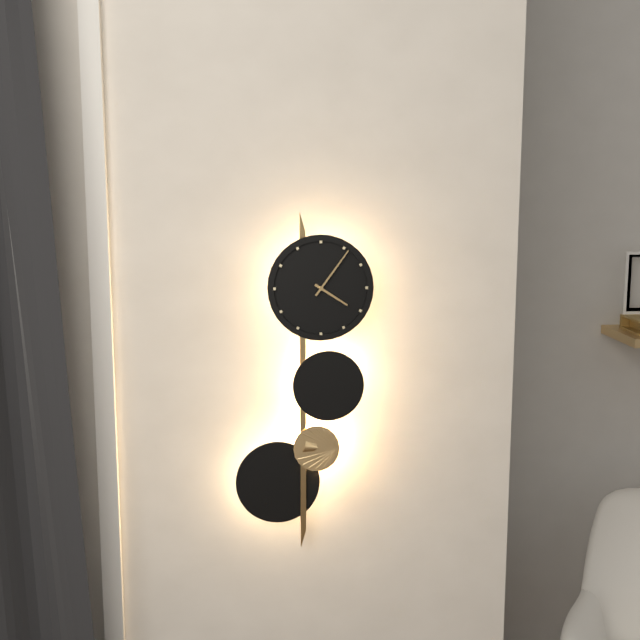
h=4 m=6
